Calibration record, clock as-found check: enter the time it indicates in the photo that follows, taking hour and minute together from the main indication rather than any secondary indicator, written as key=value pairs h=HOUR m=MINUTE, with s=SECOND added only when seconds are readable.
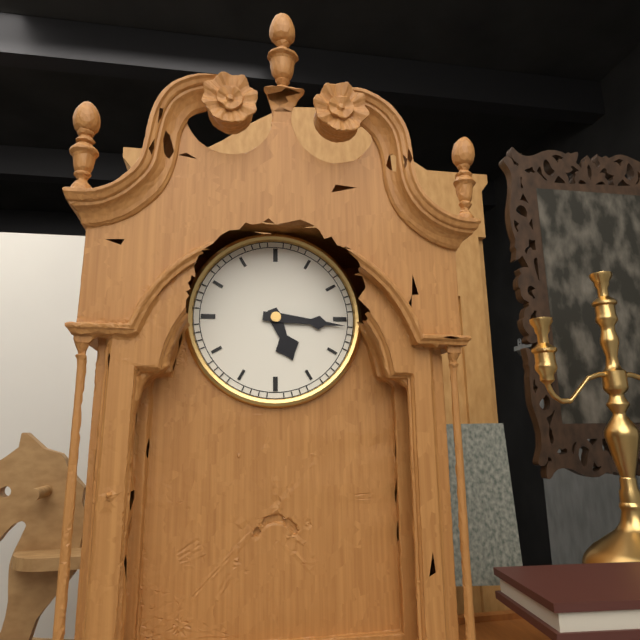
h=5 m=16
